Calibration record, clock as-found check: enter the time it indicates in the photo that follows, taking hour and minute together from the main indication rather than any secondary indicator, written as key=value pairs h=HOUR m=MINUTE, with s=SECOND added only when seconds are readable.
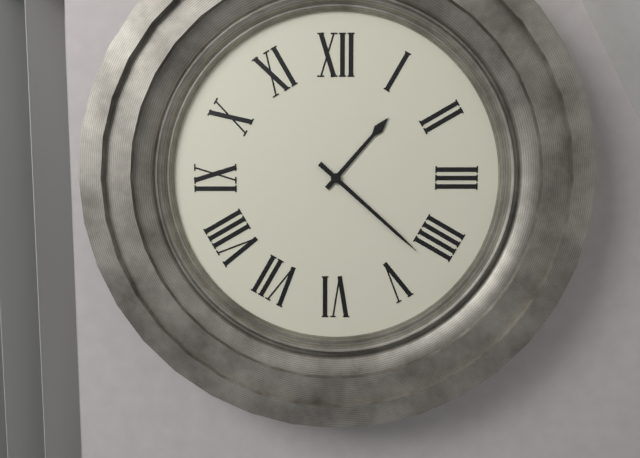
h=1 m=22
